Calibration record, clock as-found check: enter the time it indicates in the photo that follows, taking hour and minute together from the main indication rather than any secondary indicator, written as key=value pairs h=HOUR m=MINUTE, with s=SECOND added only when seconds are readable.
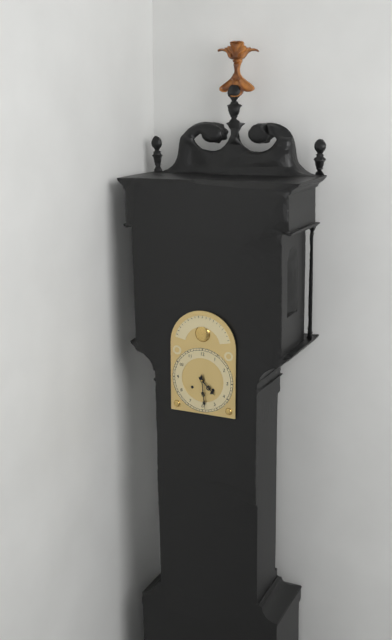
h=4 m=29
